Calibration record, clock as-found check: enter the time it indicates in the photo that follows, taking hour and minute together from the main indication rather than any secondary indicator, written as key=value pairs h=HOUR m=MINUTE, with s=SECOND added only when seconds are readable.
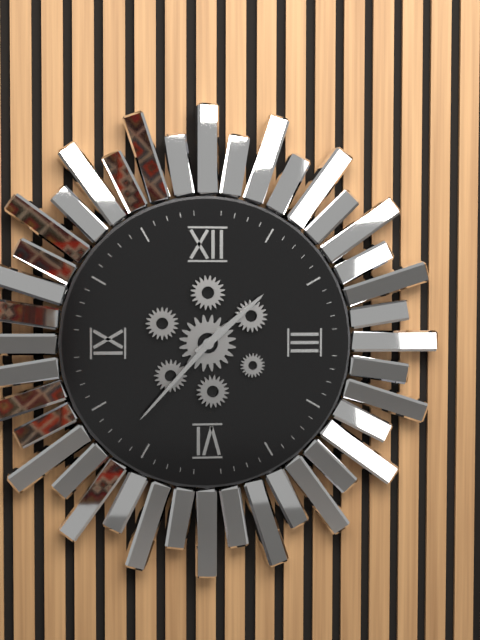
h=1 m=37
